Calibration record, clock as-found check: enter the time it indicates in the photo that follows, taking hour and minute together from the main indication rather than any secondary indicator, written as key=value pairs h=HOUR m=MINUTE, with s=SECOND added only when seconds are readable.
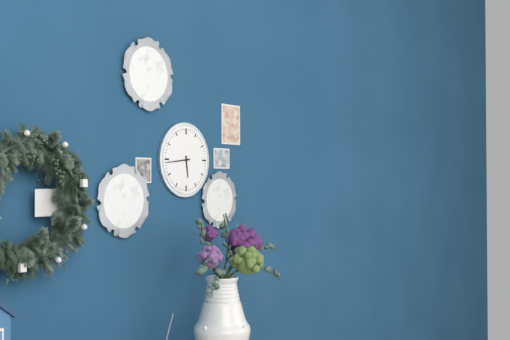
h=5 m=44
